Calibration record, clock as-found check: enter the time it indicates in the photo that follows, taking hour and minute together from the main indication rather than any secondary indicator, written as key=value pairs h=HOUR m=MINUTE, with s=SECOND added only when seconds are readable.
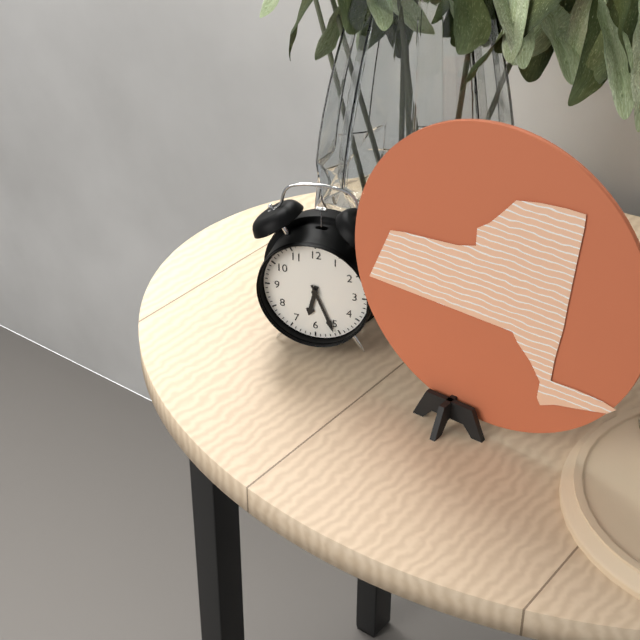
h=6 m=26
